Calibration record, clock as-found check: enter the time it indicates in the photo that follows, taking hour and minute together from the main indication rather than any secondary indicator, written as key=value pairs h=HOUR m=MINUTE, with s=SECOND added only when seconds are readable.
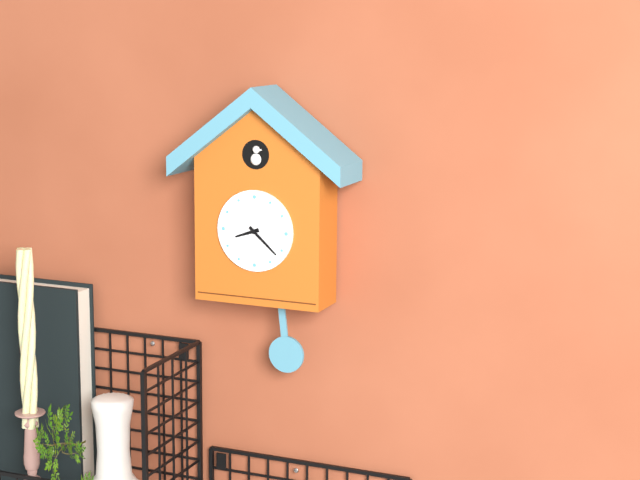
h=8 m=22
